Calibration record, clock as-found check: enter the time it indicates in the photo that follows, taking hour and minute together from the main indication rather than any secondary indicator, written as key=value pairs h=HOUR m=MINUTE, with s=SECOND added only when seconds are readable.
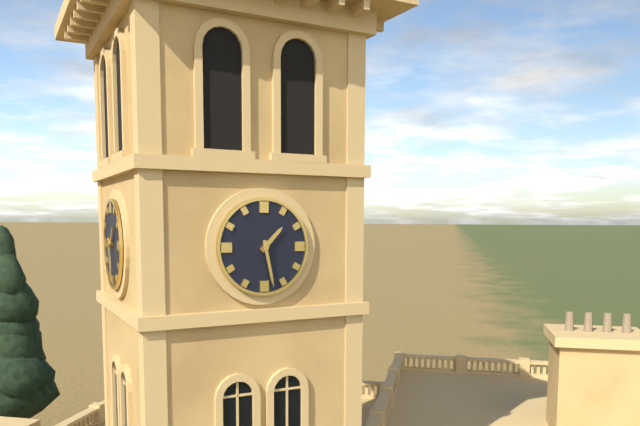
h=1 m=28
